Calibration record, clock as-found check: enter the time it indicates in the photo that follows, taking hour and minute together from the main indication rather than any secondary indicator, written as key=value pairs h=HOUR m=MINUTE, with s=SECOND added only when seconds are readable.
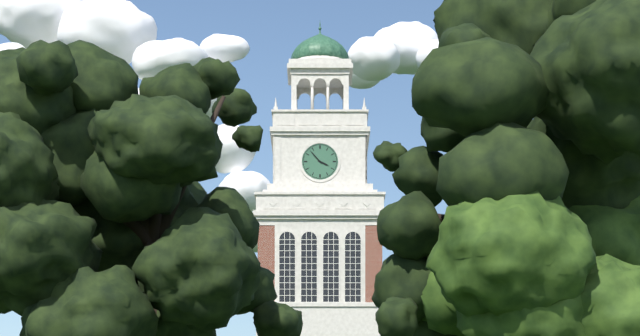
h=3 m=53
